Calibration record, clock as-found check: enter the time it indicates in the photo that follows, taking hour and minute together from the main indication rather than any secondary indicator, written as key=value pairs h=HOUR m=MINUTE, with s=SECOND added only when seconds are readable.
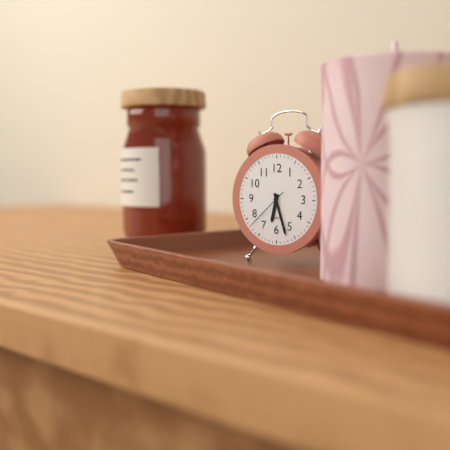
h=6 m=27
